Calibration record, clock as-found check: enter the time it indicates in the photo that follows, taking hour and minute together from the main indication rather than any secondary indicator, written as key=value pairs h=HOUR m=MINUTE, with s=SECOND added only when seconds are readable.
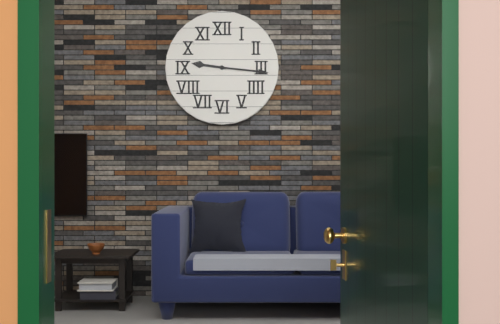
h=9 m=16
